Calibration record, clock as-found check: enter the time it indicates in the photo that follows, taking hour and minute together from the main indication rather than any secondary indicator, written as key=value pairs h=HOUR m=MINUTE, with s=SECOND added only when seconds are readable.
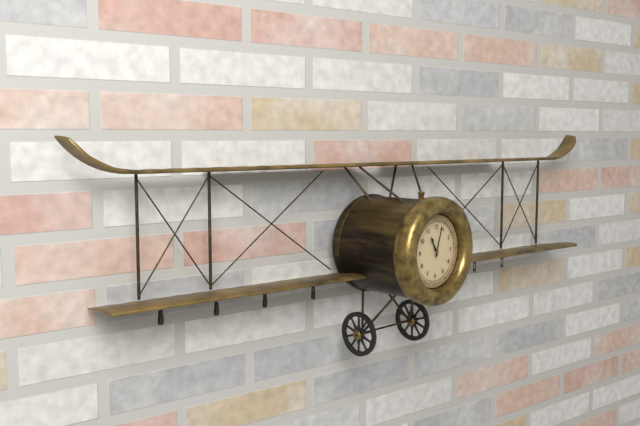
h=11 m=3
